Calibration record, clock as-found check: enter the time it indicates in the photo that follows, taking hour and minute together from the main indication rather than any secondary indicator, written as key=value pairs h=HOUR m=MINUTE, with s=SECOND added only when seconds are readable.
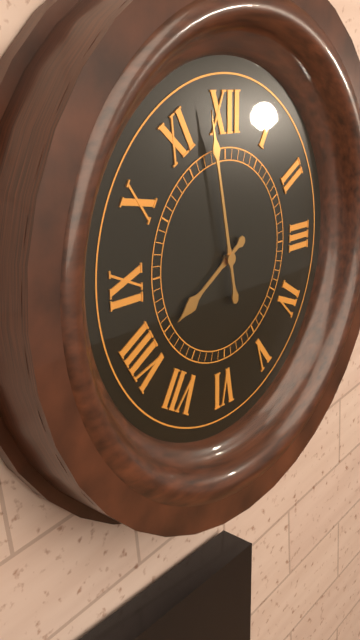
h=7 m=58
